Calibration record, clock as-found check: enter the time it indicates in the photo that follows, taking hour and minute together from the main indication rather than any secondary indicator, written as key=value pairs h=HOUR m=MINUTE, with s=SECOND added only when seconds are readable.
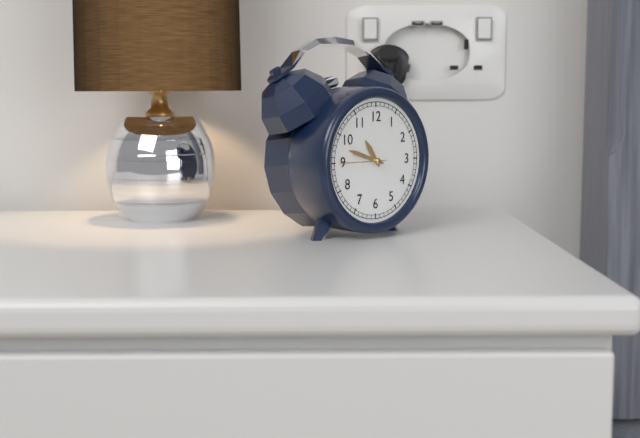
h=10 m=48
